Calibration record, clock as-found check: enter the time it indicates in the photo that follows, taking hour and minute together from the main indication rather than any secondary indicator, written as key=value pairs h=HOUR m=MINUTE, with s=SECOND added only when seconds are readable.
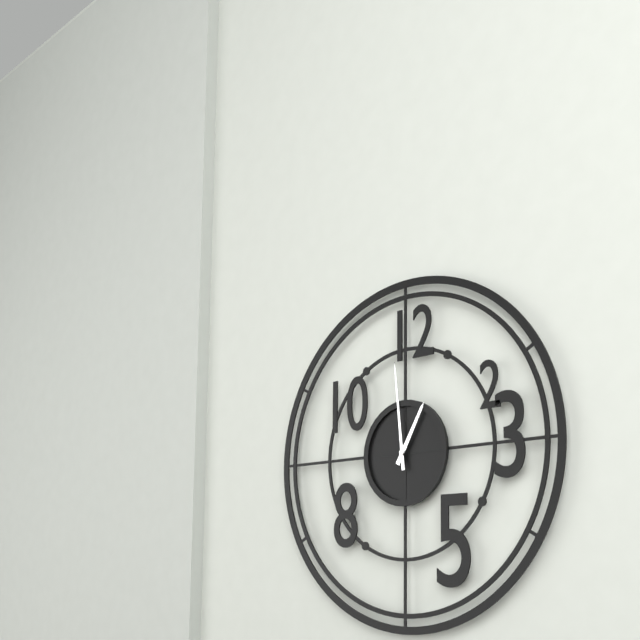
h=12 m=59
